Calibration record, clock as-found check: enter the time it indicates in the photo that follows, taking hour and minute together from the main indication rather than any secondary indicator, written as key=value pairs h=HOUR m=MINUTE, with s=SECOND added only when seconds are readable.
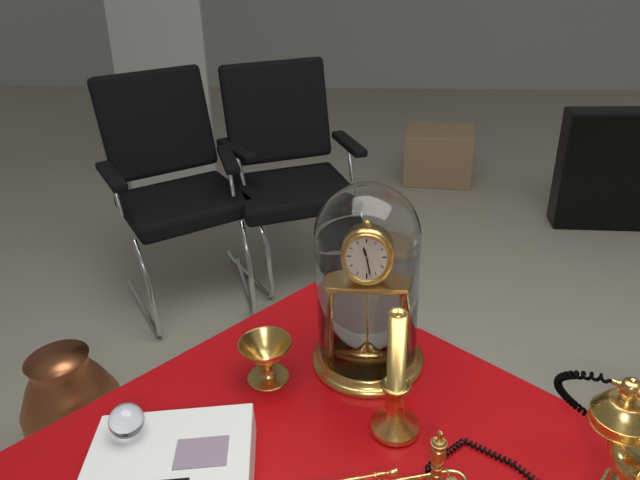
h=11 m=28
